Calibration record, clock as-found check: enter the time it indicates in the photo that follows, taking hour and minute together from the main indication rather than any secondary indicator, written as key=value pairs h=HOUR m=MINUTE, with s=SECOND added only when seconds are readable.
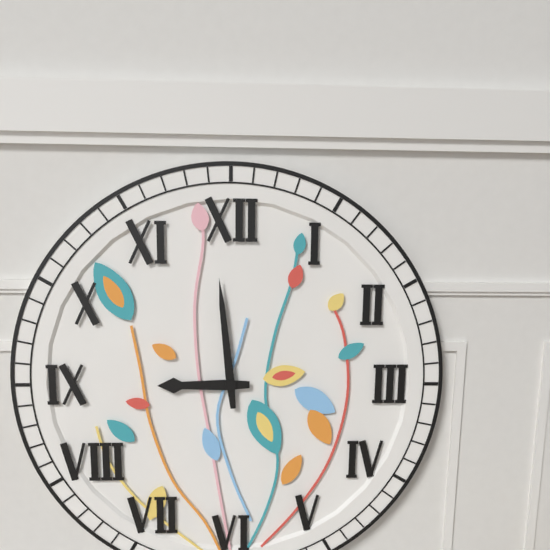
h=8 m=59
